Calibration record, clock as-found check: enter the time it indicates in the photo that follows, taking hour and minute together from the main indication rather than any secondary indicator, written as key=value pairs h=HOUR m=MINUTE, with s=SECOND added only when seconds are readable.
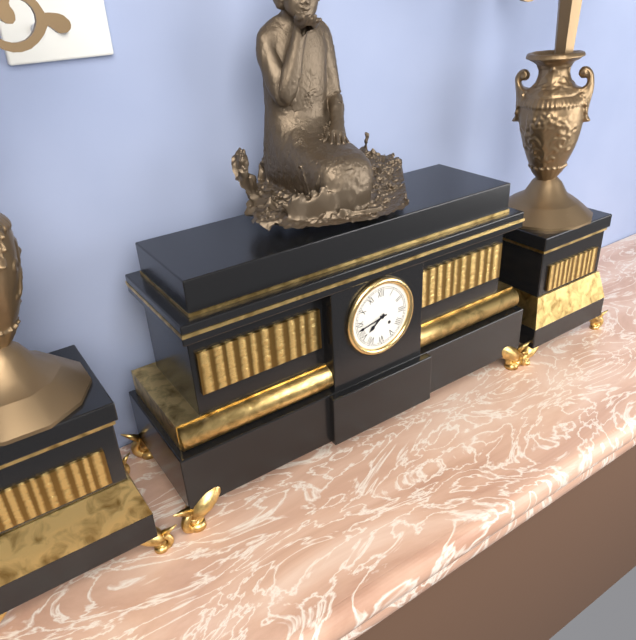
h=7 m=43
